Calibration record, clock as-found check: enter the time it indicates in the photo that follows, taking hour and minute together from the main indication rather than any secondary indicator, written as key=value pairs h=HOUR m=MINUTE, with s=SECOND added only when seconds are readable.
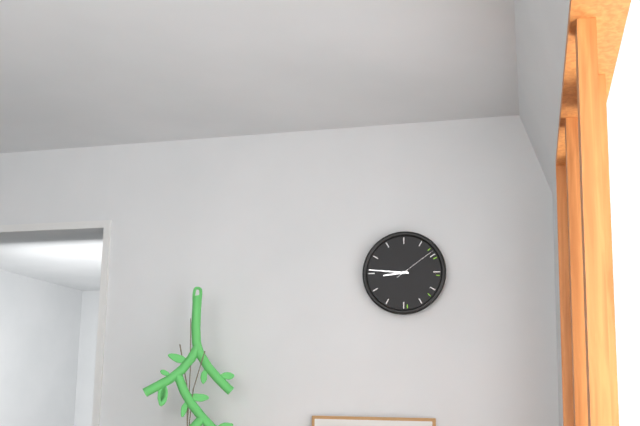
h=8 m=46
